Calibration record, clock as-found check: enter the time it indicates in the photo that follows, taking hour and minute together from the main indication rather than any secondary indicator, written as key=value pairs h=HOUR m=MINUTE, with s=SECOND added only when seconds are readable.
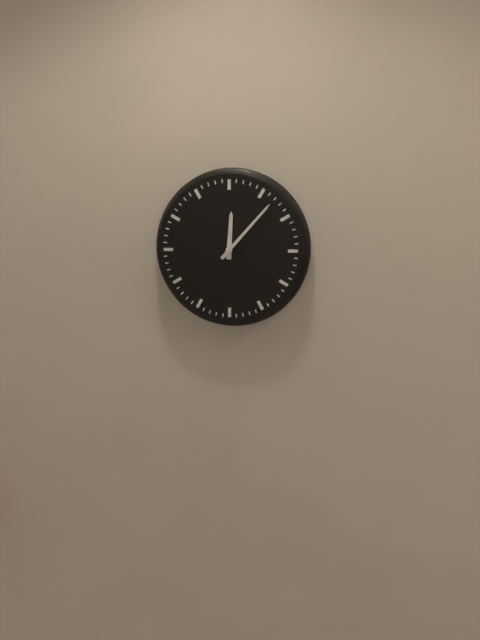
h=12 m=7
